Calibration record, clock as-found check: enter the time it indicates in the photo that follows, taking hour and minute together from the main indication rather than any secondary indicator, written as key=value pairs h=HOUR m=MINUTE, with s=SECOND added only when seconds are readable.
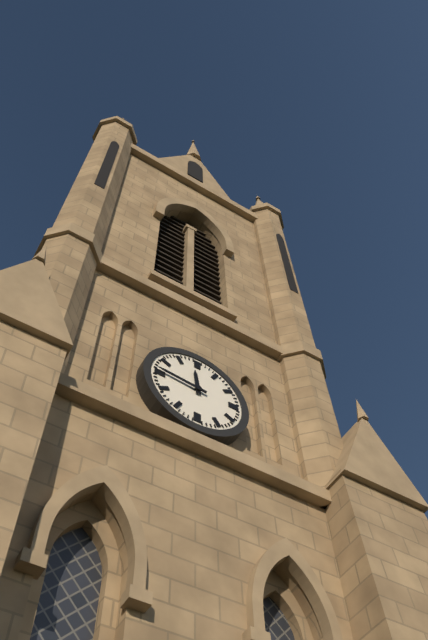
h=11 m=46
